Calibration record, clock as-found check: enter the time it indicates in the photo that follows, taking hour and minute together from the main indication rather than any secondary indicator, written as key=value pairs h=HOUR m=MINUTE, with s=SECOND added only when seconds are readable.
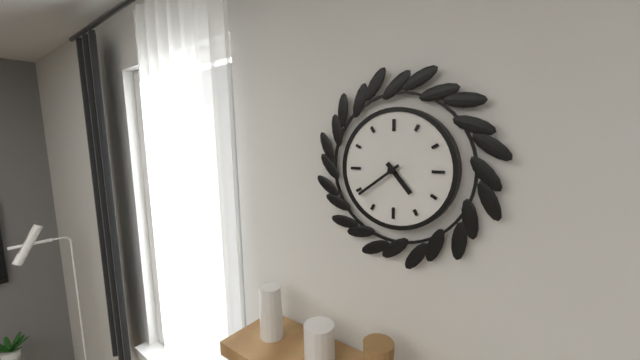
h=4 m=39
